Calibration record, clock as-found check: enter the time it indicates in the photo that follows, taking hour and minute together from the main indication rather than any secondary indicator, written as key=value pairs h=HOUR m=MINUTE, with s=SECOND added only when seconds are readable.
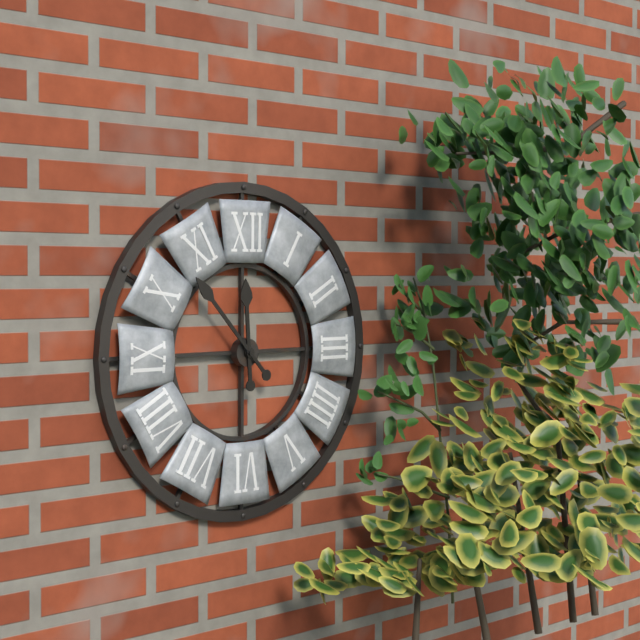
h=11 m=53
